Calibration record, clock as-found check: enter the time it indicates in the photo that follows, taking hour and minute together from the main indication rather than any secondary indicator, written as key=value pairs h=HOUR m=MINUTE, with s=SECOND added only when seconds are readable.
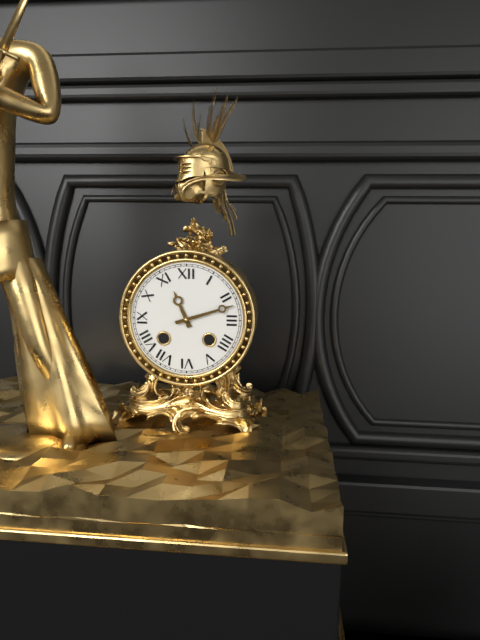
h=11 m=12
